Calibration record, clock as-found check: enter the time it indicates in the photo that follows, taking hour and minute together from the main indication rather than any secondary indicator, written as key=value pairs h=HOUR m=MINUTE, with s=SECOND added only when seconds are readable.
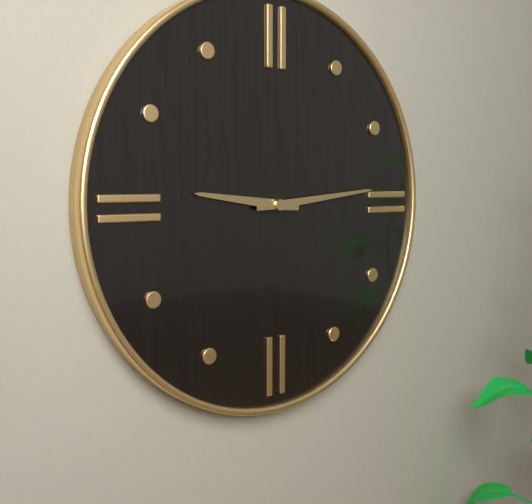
h=9 m=14
